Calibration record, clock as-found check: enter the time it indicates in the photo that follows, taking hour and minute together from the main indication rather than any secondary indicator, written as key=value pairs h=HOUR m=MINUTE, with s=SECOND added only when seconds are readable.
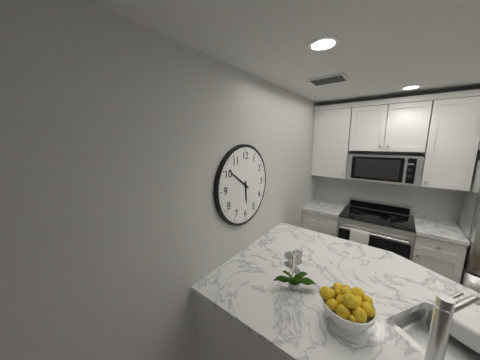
h=5 m=51
